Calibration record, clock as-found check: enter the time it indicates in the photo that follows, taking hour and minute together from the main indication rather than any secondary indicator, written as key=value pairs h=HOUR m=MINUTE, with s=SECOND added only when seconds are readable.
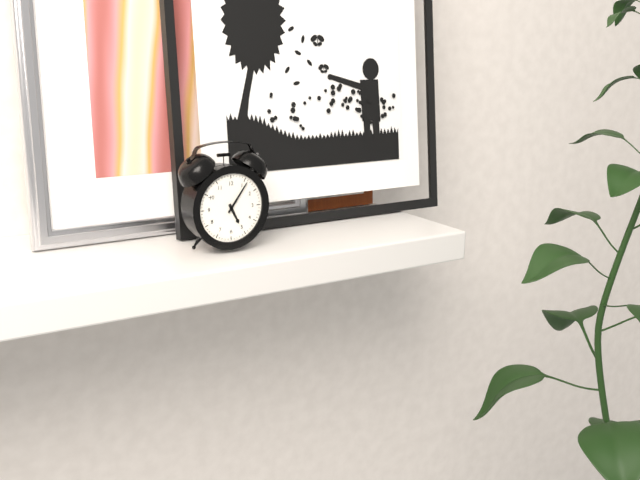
h=5 m=6
